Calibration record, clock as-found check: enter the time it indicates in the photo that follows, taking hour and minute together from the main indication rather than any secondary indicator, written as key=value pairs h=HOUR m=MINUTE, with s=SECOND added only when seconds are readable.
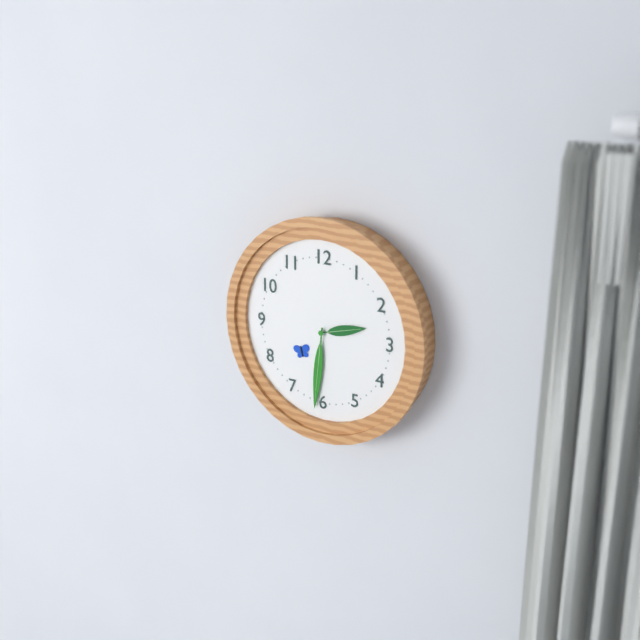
h=2 m=31
